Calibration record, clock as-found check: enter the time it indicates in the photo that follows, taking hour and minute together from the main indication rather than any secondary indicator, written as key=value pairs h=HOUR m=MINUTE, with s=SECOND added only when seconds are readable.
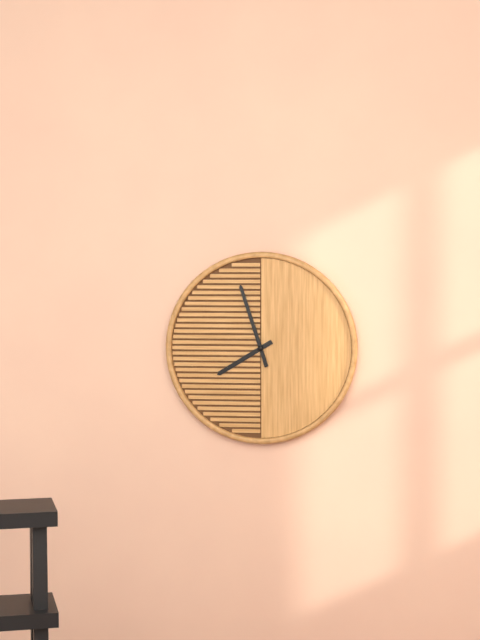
h=7 m=57
